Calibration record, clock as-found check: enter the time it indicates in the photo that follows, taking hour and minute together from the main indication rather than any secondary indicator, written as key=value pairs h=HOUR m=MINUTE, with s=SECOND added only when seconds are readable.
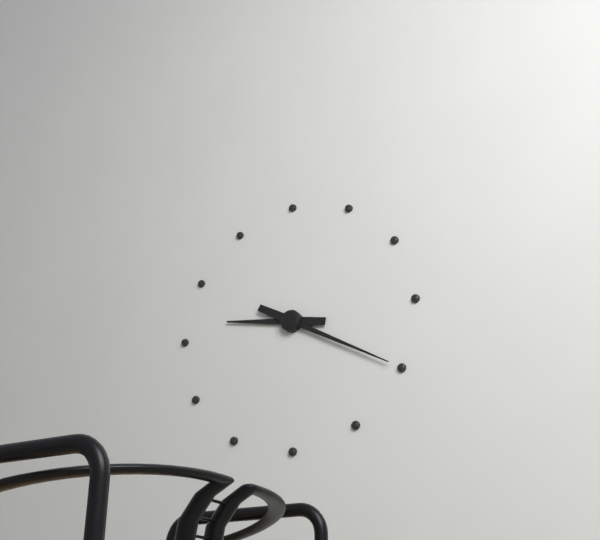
h=9 m=20
